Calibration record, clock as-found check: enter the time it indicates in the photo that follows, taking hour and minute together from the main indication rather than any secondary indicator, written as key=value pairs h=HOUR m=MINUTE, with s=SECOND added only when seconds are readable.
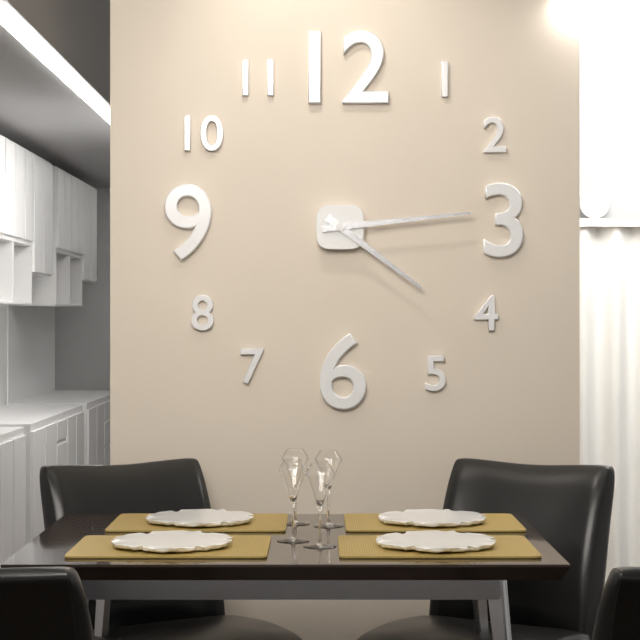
h=4 m=14
